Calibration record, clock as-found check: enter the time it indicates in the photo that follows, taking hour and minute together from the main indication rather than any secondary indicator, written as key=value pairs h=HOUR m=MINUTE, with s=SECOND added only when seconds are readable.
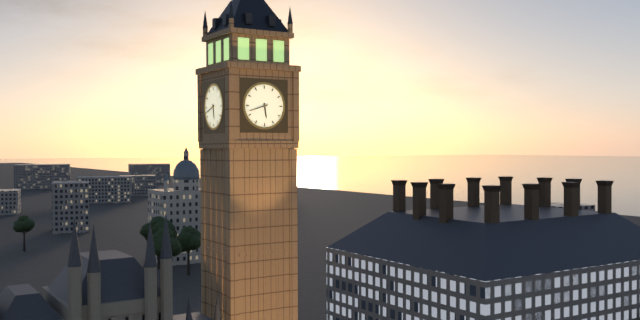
h=5 m=42
